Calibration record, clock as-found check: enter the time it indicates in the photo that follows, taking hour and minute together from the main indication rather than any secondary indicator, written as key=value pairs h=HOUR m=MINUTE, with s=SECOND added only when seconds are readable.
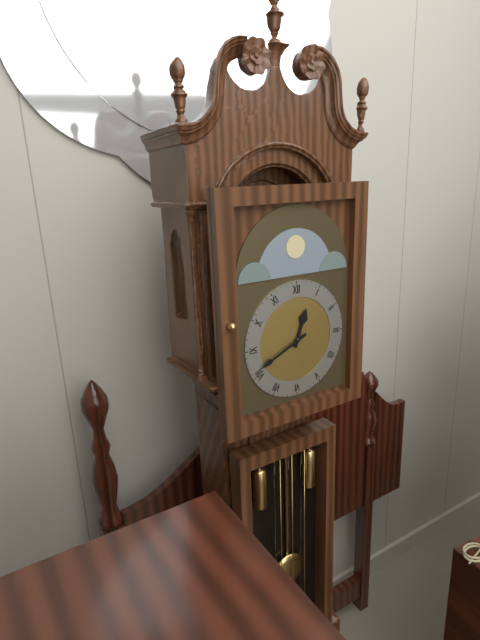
h=12 m=41
